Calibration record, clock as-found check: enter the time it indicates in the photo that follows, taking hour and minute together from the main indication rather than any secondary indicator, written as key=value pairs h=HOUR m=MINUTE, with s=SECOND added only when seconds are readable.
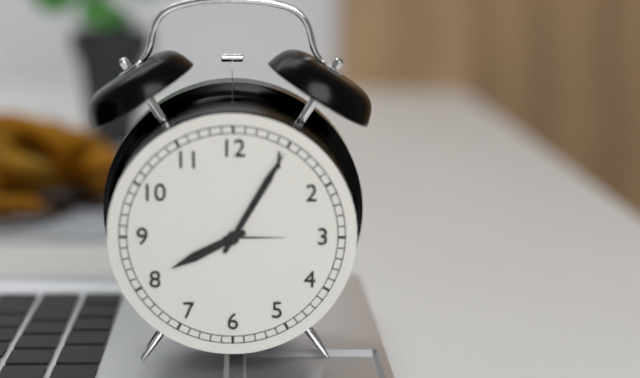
h=8 m=5
